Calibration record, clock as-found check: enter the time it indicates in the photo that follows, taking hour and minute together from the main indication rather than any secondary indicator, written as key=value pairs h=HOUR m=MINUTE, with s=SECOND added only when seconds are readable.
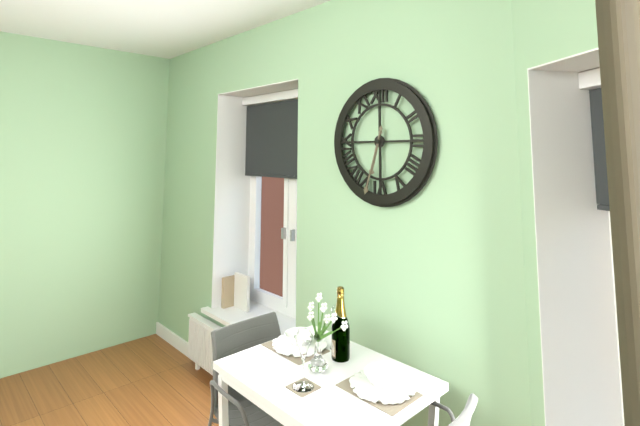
h=6 m=33
